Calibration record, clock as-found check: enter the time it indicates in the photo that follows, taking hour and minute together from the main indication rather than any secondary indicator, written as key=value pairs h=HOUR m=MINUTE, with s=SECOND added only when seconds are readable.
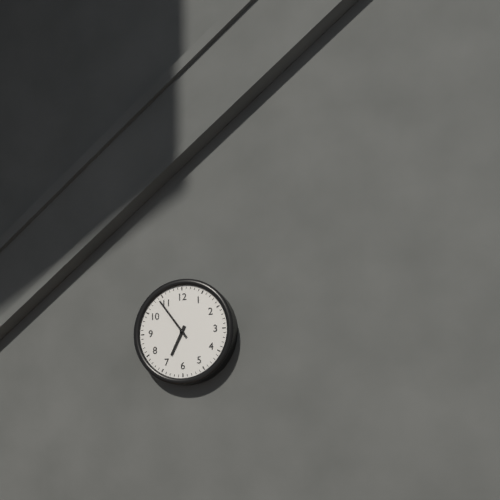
h=6 m=54
